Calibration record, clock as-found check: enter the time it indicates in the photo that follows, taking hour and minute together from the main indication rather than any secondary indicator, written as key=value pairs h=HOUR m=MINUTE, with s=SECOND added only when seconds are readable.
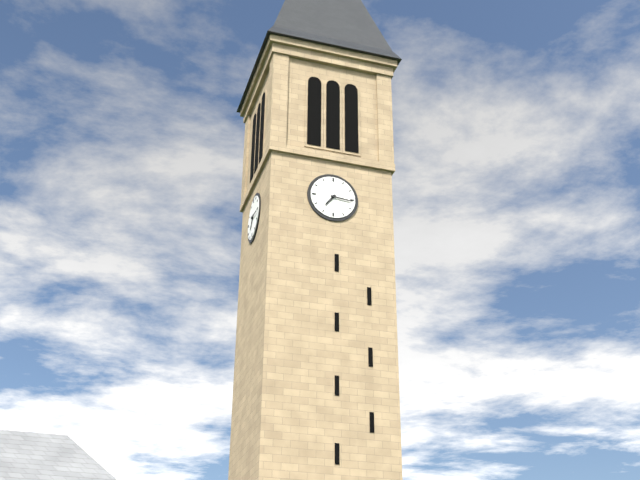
h=7 m=16
